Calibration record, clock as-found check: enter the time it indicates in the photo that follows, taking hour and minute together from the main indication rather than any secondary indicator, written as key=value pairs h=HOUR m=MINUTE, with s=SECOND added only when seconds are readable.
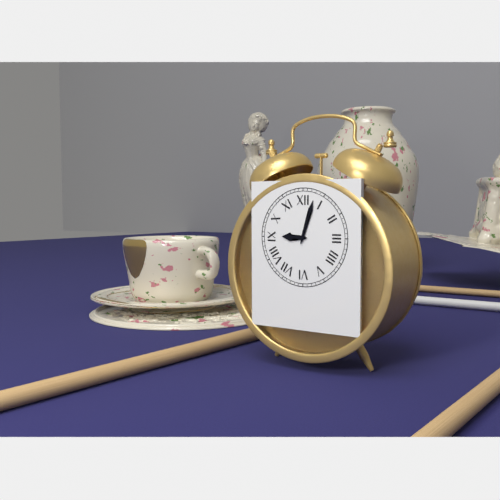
h=9 m=3
